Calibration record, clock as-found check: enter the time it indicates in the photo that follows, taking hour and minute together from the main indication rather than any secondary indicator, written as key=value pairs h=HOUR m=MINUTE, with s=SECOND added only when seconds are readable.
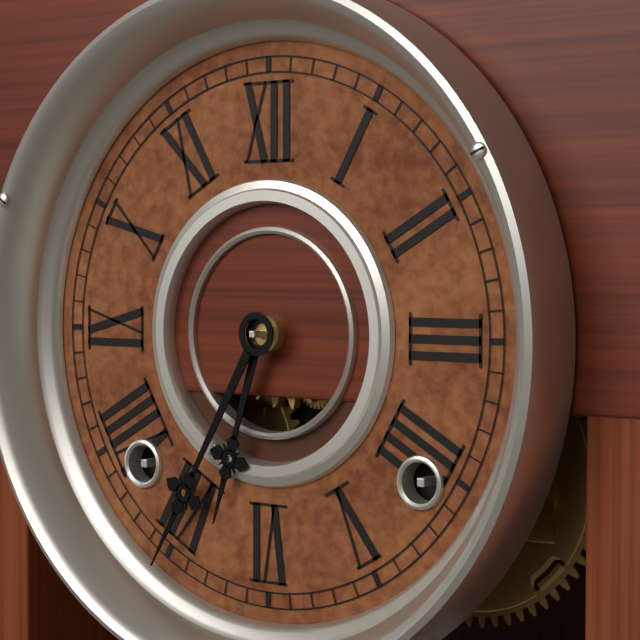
h=6 m=35
